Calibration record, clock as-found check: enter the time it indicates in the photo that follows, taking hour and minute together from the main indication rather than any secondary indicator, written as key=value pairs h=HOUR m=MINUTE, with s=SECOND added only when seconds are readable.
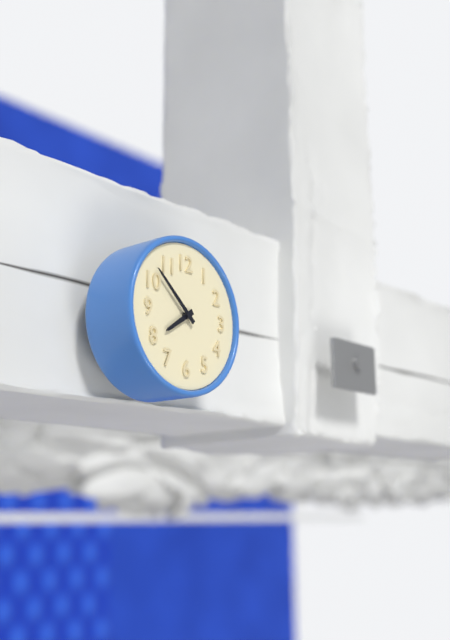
h=7 m=52
